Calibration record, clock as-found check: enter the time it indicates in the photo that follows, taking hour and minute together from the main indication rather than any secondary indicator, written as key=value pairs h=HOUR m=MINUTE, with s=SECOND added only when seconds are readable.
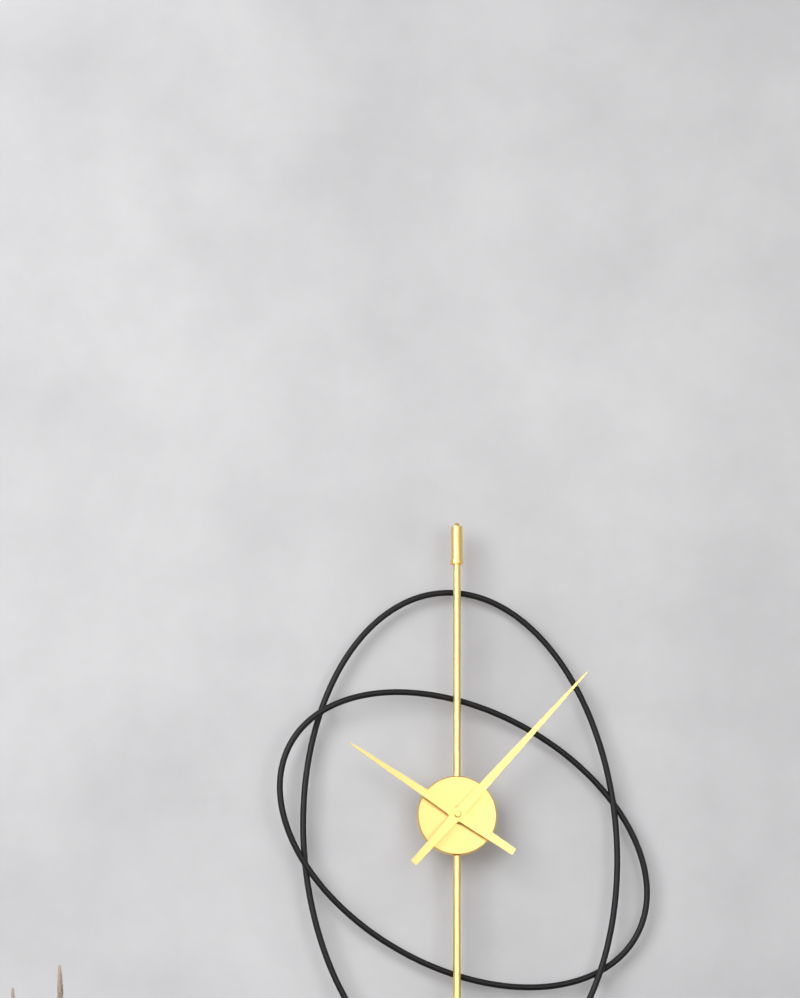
h=10 m=7
